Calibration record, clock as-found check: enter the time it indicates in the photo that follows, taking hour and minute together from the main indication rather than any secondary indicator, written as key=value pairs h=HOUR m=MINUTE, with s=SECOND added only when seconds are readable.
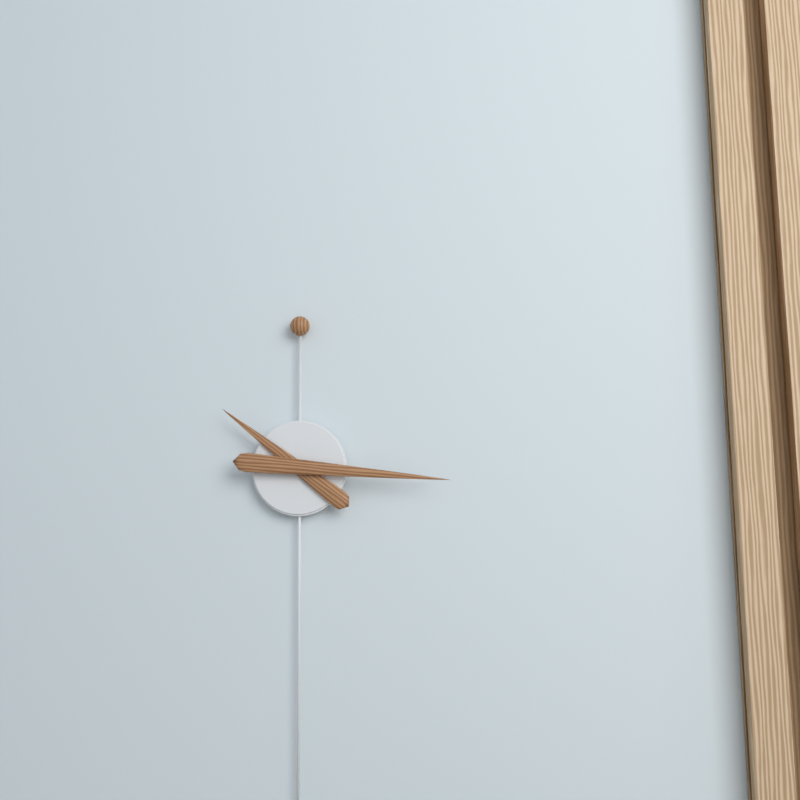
h=10 m=16
